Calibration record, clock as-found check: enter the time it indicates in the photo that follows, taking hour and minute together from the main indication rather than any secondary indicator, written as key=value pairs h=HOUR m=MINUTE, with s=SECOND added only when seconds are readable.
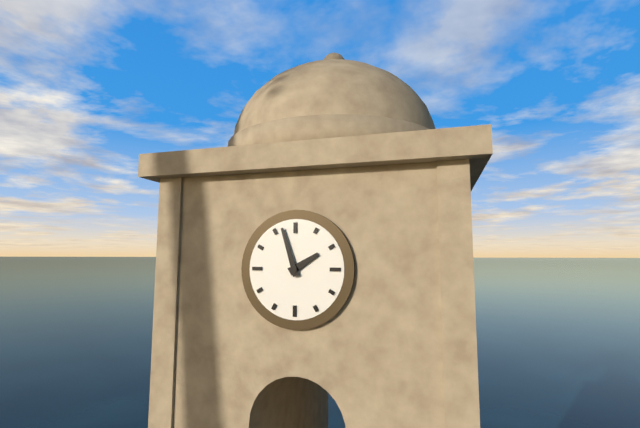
h=1 m=57
